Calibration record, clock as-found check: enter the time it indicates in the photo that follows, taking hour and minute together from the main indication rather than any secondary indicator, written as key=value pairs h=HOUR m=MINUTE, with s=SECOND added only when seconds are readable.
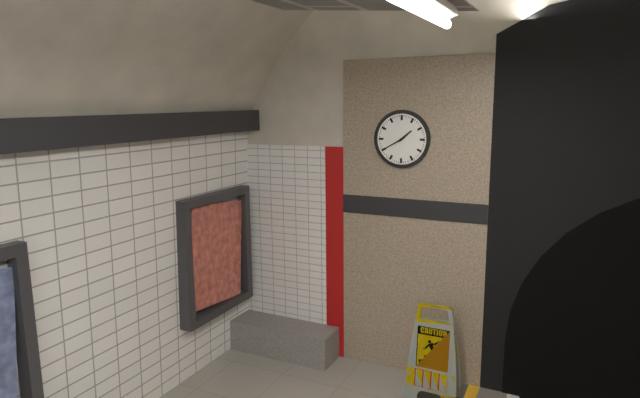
h=1 m=40
